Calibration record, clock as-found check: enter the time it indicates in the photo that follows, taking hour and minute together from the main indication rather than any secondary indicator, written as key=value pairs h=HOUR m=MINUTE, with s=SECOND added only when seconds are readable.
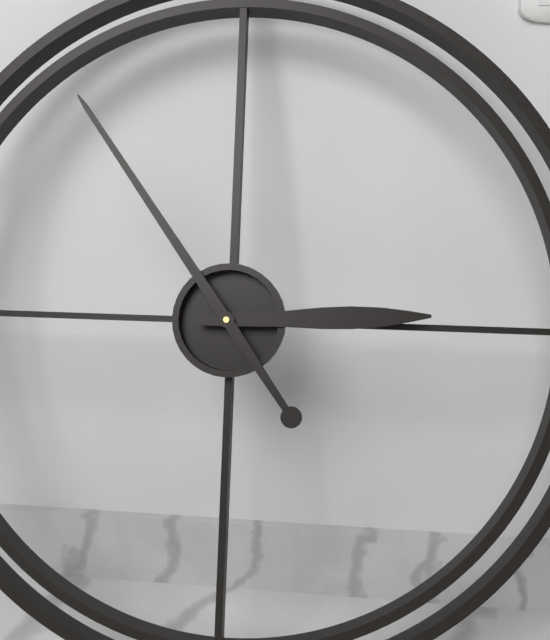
h=2 m=54
